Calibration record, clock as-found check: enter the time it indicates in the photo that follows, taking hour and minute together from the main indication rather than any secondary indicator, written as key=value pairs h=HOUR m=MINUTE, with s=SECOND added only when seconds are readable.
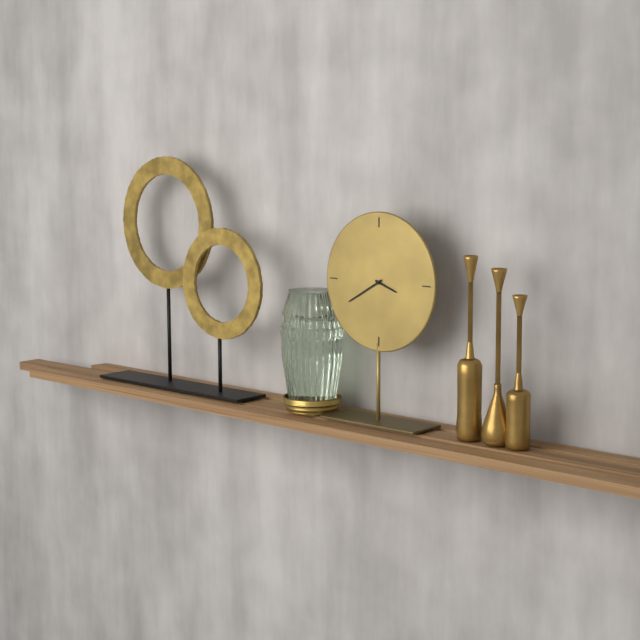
h=3 m=40
